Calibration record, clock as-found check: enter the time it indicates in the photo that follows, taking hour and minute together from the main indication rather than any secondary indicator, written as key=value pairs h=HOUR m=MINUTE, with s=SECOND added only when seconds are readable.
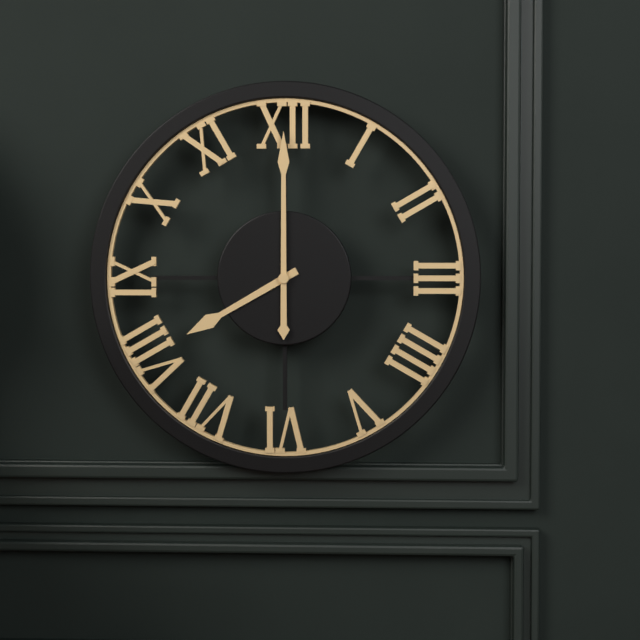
h=8 m=0
